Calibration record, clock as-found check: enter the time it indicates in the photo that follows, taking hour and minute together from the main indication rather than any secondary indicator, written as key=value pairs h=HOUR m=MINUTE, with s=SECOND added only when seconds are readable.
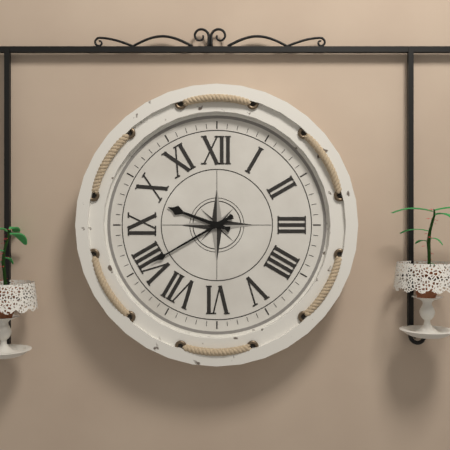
h=9 m=40
